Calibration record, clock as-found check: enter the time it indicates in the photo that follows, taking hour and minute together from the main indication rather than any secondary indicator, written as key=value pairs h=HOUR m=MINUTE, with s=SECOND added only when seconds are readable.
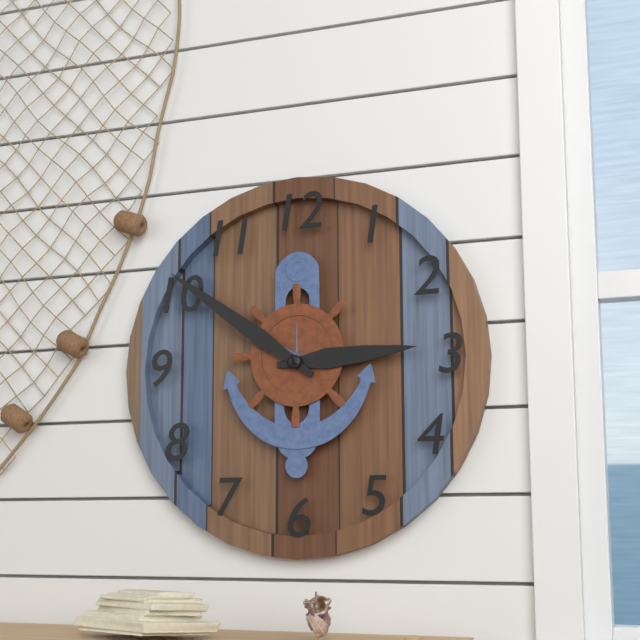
h=2 m=51
